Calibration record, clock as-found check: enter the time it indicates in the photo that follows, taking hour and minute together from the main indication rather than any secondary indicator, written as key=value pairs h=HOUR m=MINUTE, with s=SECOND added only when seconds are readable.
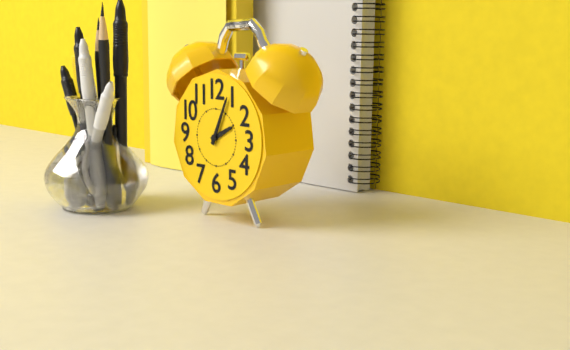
h=2 m=4
